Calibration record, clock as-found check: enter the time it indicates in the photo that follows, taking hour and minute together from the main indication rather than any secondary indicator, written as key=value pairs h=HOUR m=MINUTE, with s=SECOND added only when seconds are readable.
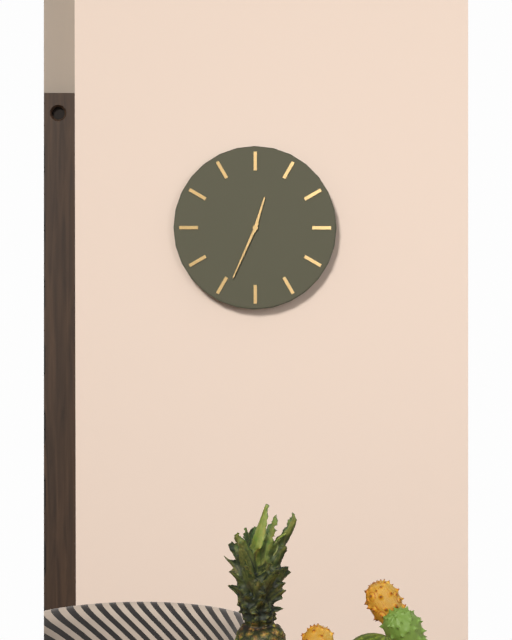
h=12 m=34
